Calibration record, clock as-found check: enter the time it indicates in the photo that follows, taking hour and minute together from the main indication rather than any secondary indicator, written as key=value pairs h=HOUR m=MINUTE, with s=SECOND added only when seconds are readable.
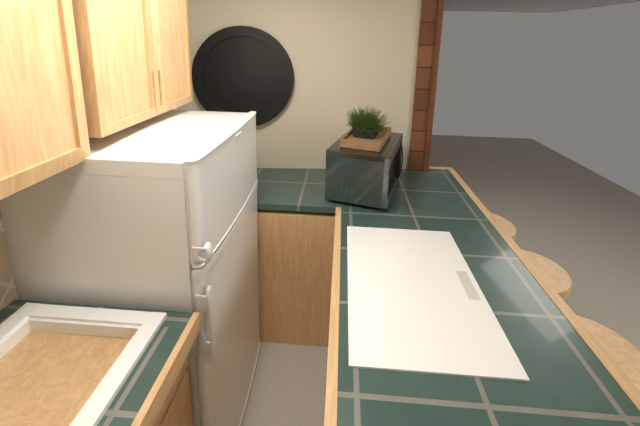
h=3 m=58
